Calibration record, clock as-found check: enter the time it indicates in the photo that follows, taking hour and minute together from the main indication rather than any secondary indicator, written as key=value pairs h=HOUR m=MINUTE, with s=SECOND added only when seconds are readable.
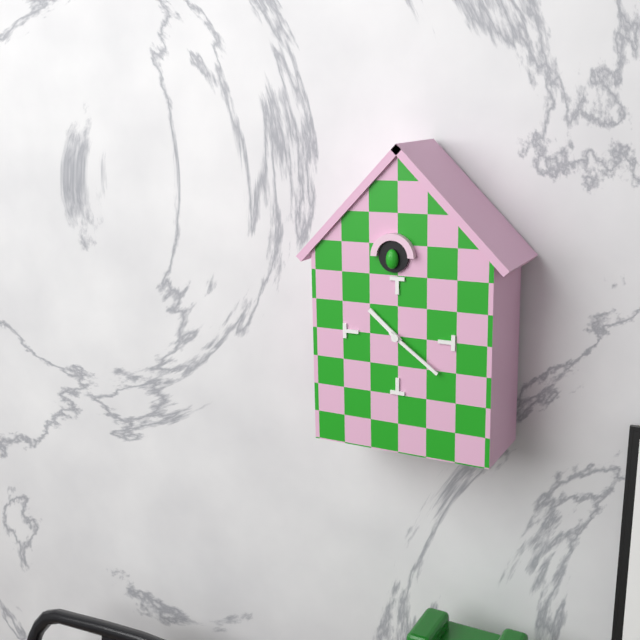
h=10 m=21
